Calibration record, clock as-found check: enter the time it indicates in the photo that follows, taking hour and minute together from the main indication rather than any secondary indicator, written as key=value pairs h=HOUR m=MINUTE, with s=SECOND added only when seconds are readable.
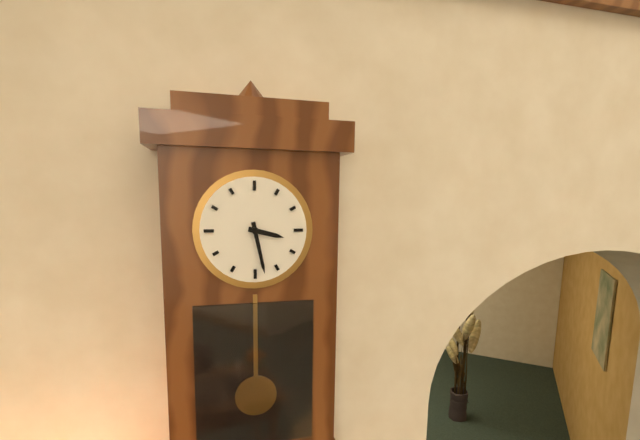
h=3 m=28
